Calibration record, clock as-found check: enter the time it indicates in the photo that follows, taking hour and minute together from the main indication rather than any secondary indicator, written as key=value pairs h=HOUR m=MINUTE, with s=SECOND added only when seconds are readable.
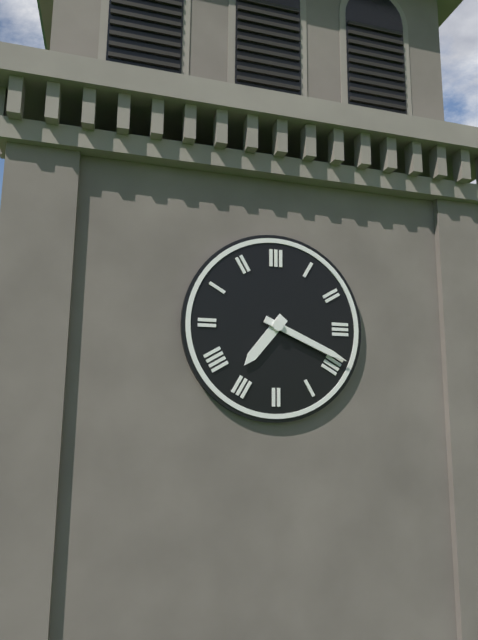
h=7 m=19
